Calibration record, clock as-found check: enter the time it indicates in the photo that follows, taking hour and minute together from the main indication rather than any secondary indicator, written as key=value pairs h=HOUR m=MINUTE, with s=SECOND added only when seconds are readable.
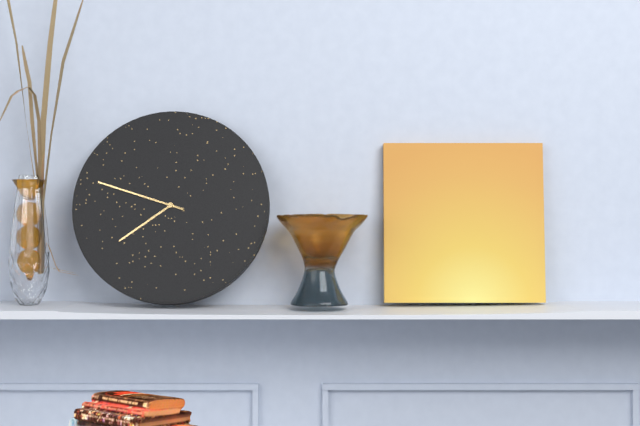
h=7 m=48
